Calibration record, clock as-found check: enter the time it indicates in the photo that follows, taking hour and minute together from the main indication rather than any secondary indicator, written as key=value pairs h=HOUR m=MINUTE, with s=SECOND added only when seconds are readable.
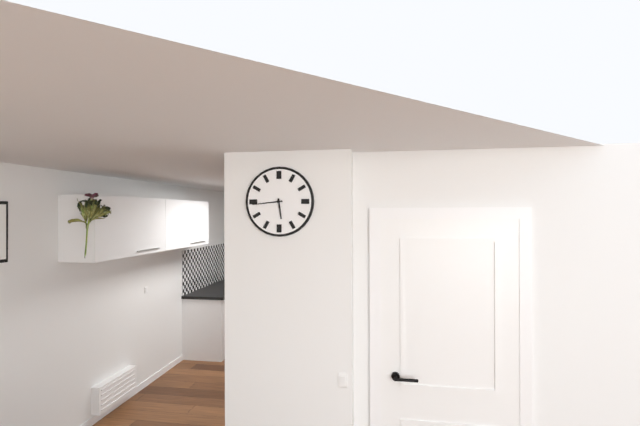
h=5 m=44
